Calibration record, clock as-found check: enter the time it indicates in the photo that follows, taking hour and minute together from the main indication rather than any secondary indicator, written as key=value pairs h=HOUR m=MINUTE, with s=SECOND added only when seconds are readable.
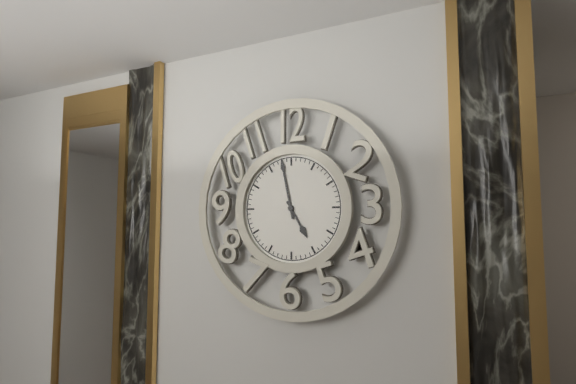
h=4 m=58
